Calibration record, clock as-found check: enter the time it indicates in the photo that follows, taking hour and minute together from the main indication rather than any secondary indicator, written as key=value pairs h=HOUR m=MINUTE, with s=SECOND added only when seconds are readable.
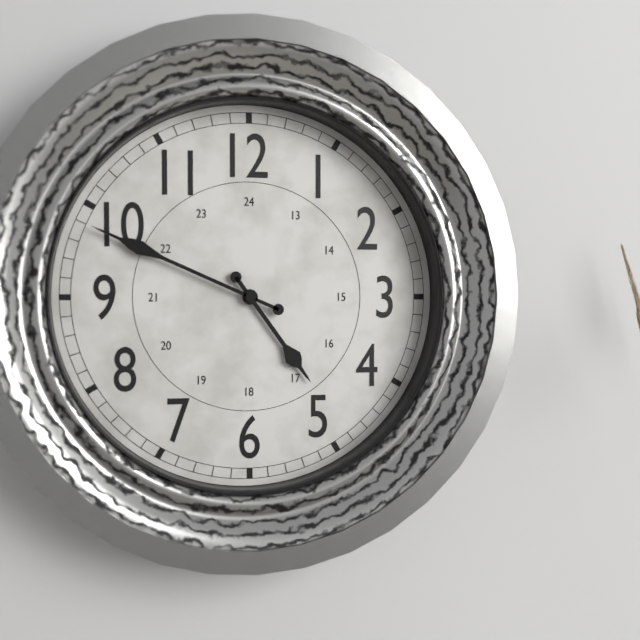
h=4 m=49
